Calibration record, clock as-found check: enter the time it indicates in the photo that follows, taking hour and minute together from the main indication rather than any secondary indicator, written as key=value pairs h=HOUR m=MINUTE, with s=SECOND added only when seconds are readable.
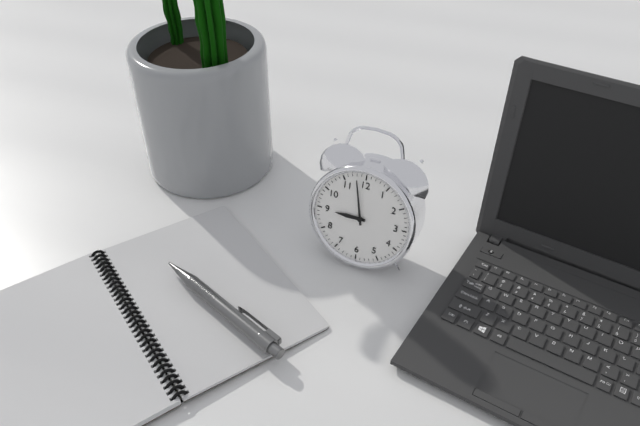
h=8 m=58
